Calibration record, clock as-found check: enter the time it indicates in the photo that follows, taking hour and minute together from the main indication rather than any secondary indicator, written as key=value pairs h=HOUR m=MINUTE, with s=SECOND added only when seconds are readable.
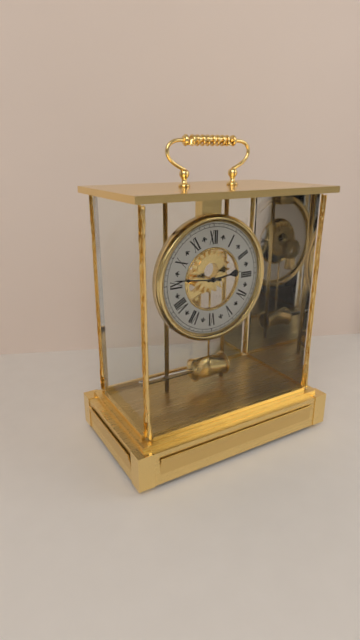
h=2 m=46
